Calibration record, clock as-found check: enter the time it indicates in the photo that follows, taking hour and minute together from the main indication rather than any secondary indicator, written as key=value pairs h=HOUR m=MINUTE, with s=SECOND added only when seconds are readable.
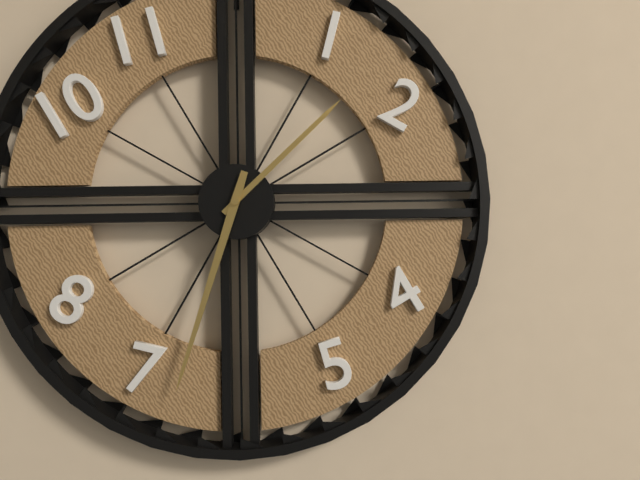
h=1 m=33
